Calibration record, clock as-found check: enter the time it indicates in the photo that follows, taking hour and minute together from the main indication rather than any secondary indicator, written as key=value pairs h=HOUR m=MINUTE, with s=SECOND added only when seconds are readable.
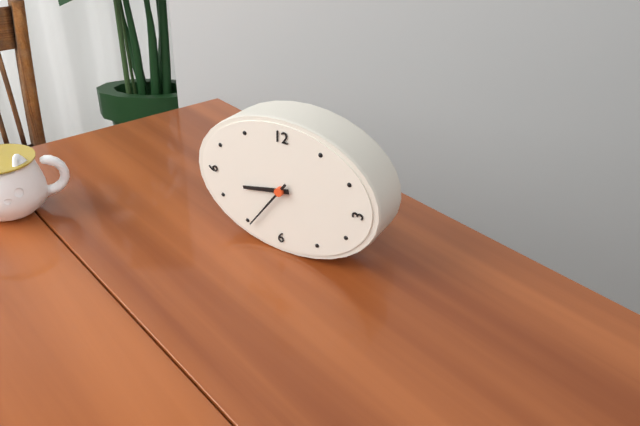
h=8 m=36
